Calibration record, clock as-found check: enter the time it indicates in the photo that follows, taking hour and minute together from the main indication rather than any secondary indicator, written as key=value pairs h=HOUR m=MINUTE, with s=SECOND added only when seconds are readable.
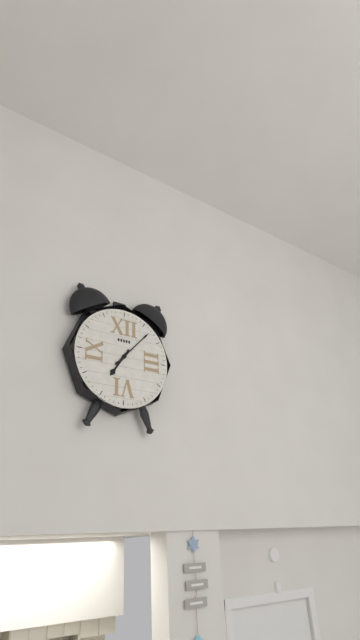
h=7 m=7
